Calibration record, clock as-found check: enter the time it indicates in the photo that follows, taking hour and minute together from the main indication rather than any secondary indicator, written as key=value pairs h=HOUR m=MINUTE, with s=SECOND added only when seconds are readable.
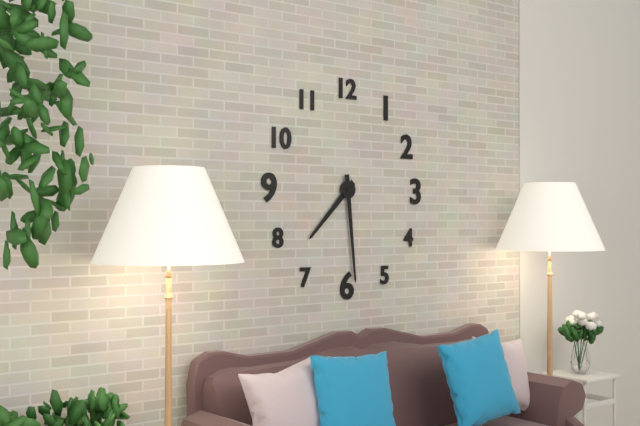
h=7 m=29
